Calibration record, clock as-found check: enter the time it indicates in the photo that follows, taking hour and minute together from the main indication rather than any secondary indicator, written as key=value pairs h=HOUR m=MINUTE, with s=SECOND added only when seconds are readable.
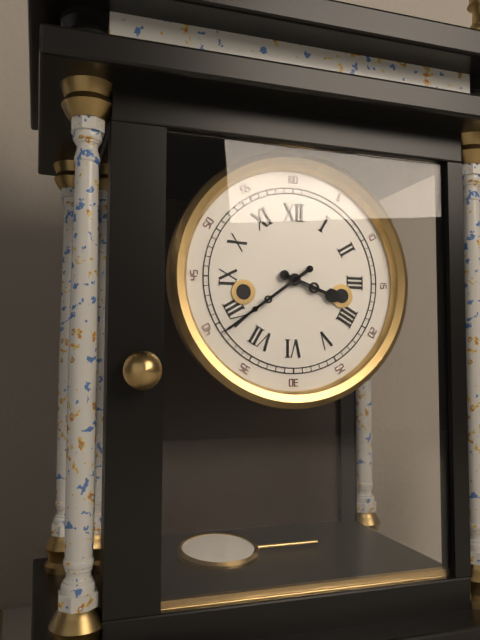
h=3 m=39
